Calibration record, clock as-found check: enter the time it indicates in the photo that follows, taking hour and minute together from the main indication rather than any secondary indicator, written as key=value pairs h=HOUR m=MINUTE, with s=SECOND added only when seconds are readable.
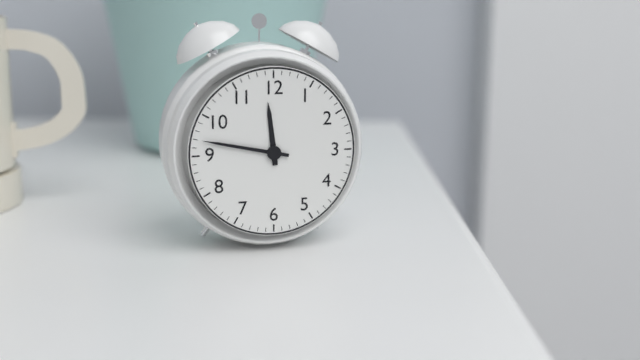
h=11 m=47
